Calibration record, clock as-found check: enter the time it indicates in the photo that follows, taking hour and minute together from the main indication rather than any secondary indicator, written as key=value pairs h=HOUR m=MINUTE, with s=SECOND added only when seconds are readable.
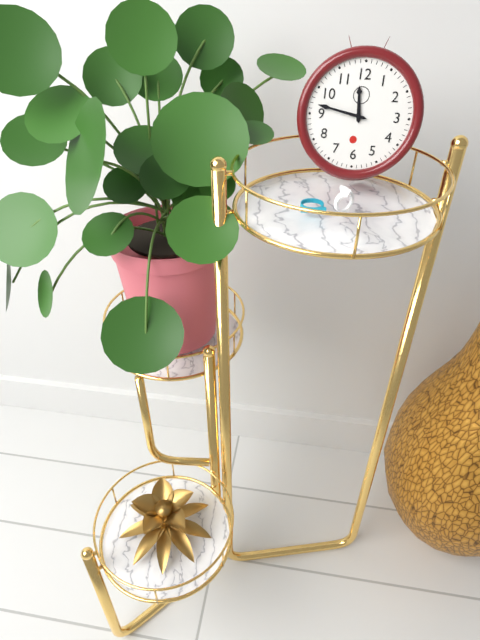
h=11 m=47
